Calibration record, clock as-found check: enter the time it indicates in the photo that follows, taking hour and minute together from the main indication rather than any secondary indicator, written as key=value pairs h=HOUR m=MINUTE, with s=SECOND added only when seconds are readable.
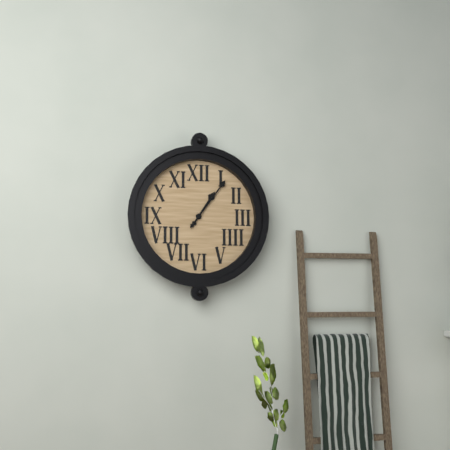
h=1 m=6
